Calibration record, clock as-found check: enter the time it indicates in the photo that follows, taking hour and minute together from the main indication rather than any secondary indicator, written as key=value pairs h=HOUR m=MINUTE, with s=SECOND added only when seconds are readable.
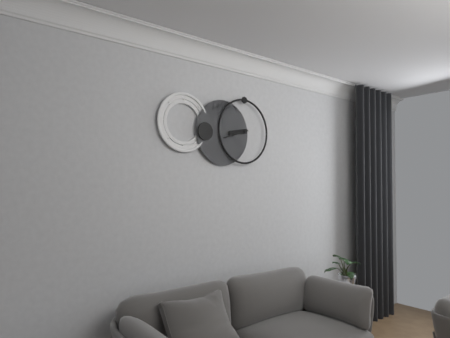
h=8 m=42
